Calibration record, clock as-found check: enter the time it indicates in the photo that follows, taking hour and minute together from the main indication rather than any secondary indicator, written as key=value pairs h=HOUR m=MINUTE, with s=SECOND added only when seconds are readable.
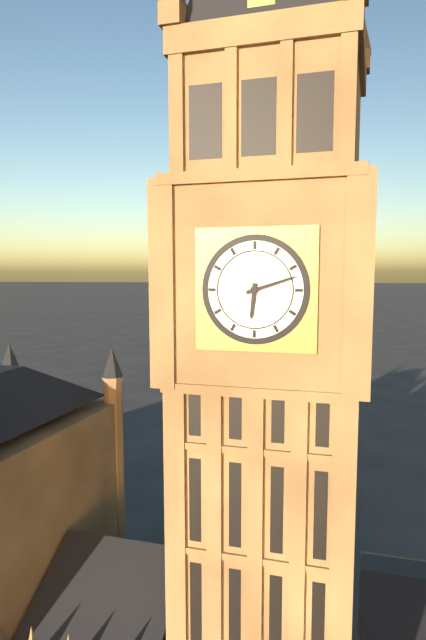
h=6 m=12
